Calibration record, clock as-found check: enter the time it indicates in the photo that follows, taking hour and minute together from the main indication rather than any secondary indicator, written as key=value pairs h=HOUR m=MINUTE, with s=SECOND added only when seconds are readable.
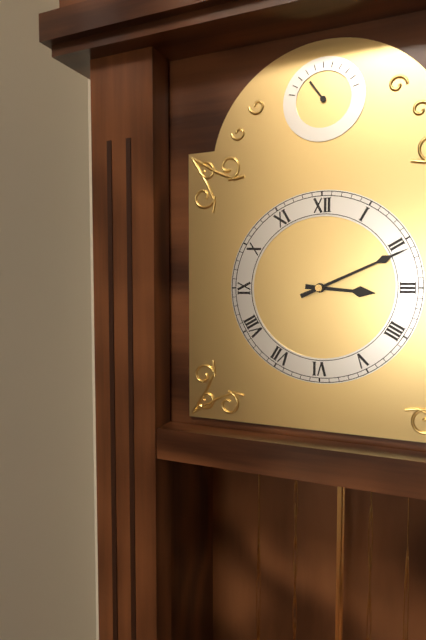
h=3 m=11
